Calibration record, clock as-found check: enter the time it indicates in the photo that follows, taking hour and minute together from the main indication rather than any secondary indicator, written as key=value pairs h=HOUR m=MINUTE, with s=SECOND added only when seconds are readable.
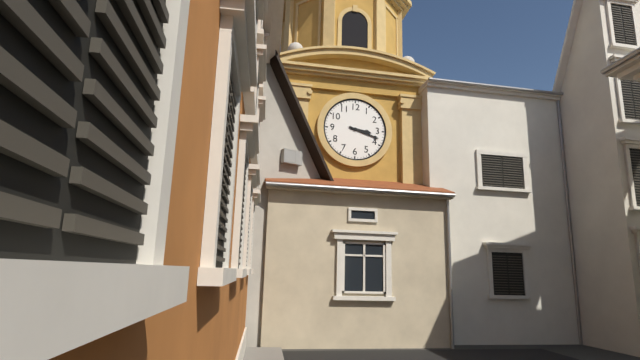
h=3 m=18
